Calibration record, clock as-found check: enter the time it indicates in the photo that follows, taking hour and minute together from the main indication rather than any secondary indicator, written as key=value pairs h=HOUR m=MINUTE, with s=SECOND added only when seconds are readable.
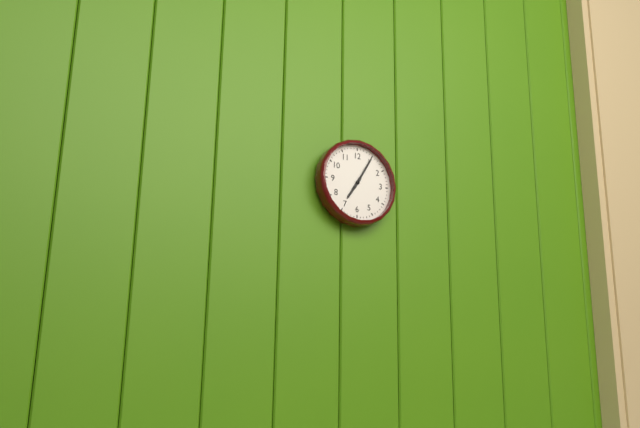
h=7 m=5
